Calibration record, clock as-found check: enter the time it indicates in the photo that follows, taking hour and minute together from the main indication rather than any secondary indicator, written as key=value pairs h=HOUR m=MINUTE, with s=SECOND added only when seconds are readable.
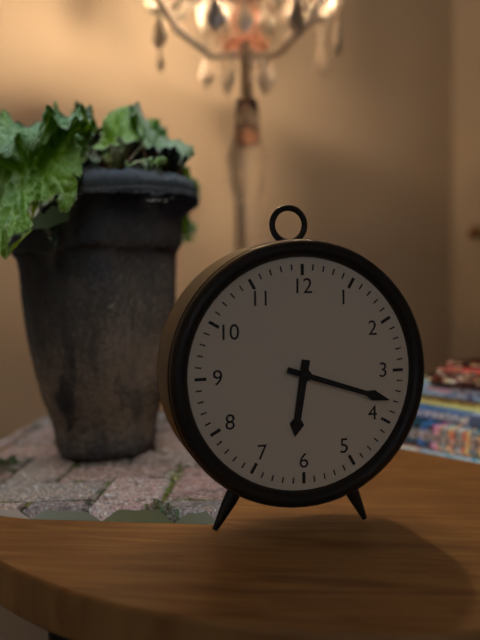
h=6 m=18
